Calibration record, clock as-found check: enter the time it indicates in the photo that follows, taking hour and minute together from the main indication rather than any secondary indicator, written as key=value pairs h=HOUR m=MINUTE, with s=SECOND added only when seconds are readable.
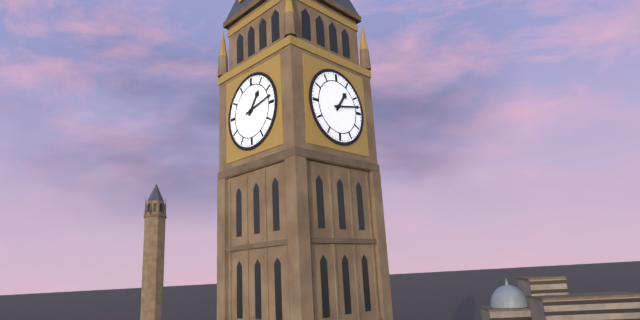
h=1 m=13
